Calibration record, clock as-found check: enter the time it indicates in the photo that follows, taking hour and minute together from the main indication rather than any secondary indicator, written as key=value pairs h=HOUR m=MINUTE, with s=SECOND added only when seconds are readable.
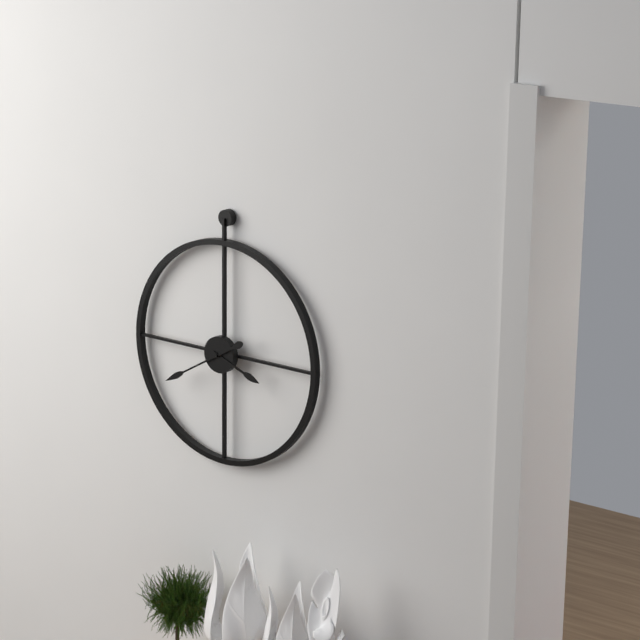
h=3 m=40
